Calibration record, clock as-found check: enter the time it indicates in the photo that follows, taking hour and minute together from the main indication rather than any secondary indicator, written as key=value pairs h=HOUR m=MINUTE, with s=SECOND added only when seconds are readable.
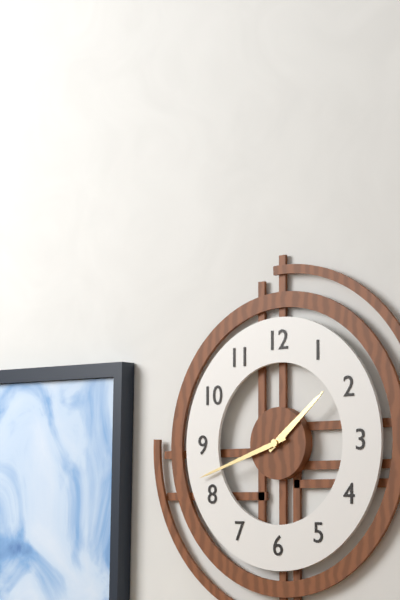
h=1 m=42
